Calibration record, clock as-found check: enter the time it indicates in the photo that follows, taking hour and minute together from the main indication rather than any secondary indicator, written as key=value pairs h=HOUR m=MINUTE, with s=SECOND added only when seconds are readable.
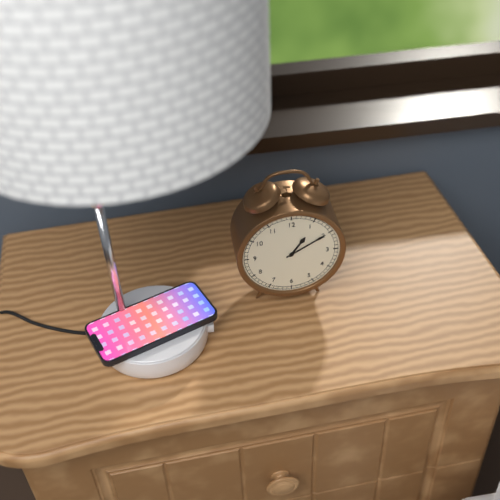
h=1 m=10
